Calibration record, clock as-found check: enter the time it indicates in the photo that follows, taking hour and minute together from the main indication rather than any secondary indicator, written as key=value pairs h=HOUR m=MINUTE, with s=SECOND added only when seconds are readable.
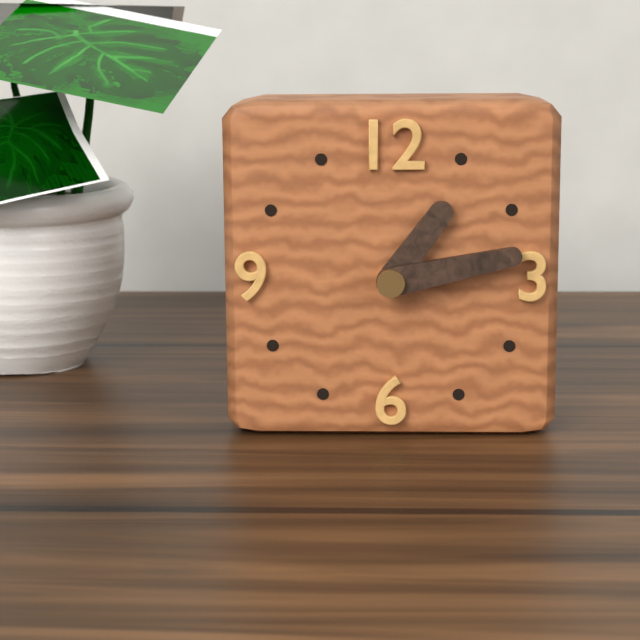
h=1 m=13
